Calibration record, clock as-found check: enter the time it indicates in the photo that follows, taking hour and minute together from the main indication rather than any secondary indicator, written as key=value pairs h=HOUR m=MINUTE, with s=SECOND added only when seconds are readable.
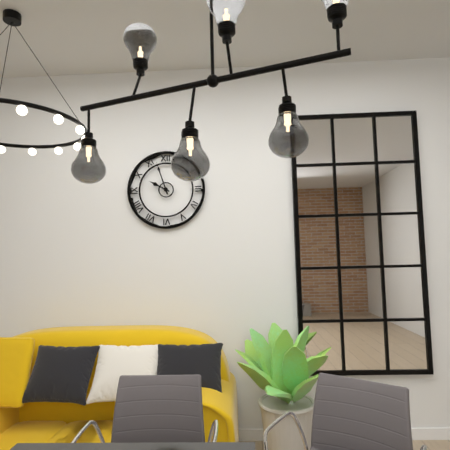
h=9 m=57
